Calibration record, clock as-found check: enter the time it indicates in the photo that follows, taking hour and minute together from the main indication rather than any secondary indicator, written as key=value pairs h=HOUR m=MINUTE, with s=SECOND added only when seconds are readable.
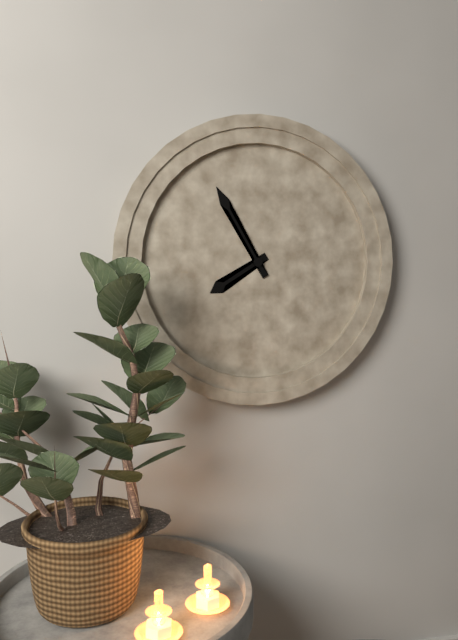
h=7 m=55
